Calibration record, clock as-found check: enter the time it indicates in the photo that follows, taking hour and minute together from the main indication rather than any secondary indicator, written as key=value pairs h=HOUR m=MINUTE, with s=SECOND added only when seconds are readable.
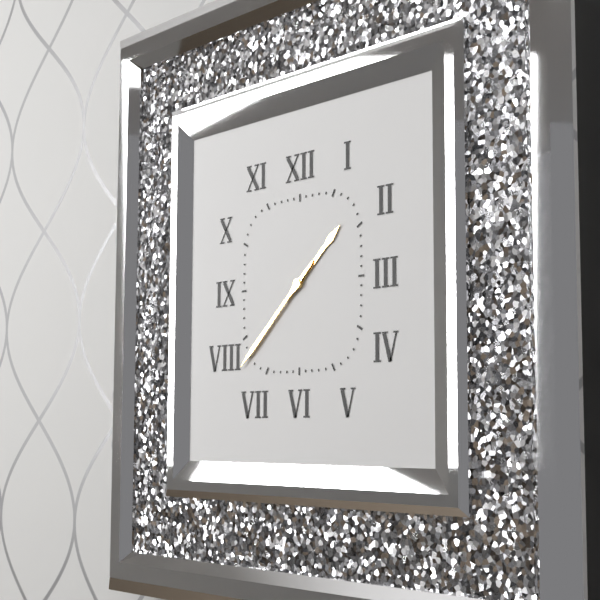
h=1 m=38
